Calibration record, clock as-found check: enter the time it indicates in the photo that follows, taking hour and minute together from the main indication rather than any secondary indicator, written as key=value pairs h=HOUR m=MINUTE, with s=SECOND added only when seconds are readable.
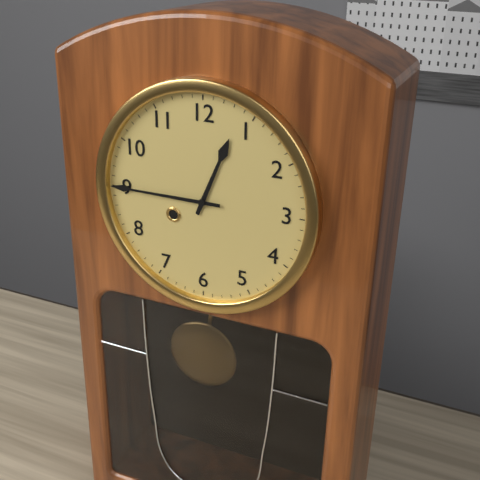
h=12 m=45
